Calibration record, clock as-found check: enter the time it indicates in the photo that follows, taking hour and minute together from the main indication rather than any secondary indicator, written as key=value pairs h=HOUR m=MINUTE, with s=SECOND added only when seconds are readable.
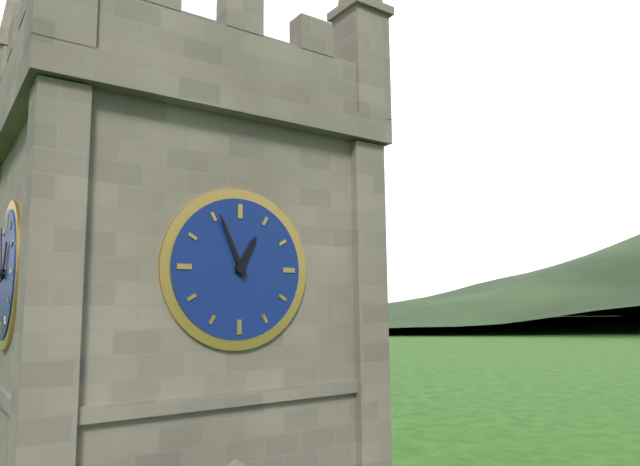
h=12 m=56
